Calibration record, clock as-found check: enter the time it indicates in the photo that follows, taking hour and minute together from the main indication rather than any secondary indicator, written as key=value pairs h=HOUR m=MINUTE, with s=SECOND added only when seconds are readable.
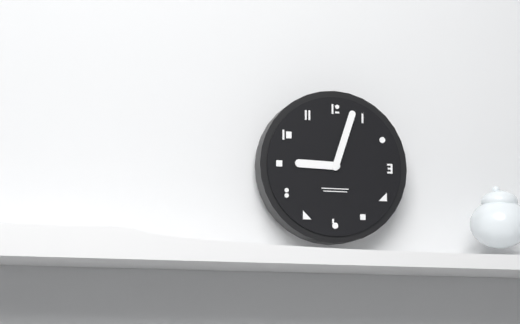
h=9 m=3
